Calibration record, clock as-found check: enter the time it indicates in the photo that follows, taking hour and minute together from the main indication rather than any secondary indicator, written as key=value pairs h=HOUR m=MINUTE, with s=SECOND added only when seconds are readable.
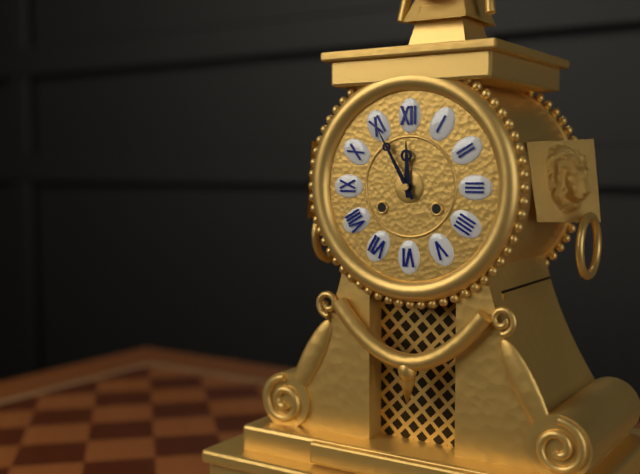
h=11 m=55
